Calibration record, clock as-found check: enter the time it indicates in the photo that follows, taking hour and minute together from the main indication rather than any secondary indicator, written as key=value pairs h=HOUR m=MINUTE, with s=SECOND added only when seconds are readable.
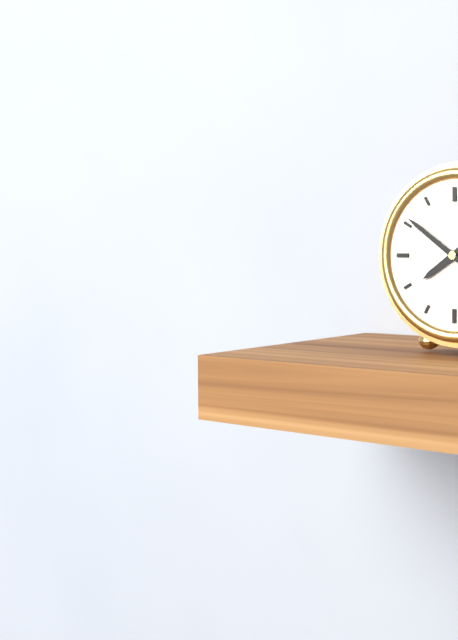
h=7 m=51
